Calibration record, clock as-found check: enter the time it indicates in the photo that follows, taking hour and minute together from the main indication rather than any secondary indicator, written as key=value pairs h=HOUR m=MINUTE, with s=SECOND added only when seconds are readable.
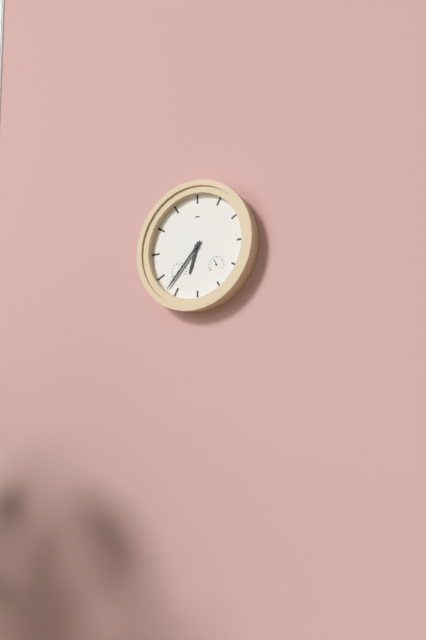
h=6 m=37
